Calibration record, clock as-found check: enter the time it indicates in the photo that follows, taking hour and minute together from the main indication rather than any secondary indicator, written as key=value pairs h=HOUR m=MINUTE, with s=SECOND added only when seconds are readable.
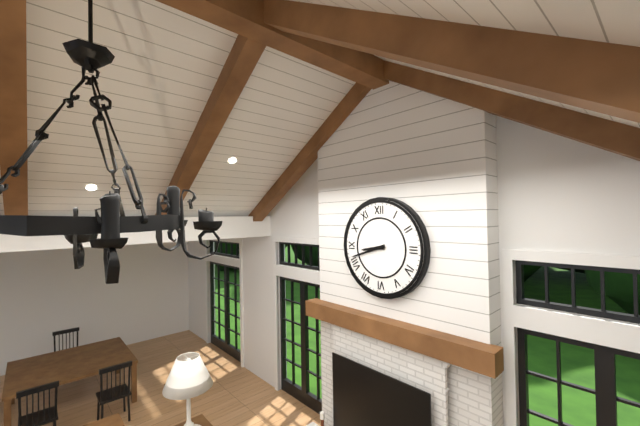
h=8 m=42
